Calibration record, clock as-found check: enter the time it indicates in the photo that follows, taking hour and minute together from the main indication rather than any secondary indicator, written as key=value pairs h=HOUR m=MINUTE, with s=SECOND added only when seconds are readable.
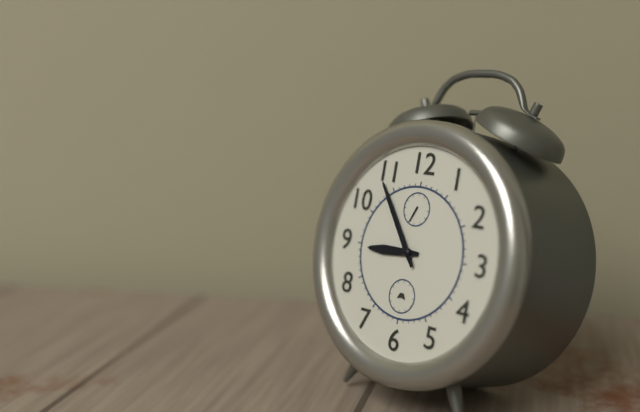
h=8 m=54
